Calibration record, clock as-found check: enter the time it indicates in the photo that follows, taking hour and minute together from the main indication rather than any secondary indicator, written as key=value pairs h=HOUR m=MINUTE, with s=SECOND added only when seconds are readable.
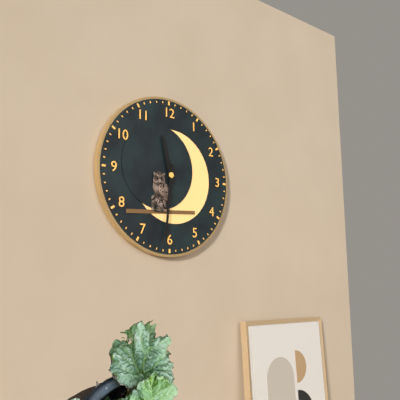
h=11 m=31
